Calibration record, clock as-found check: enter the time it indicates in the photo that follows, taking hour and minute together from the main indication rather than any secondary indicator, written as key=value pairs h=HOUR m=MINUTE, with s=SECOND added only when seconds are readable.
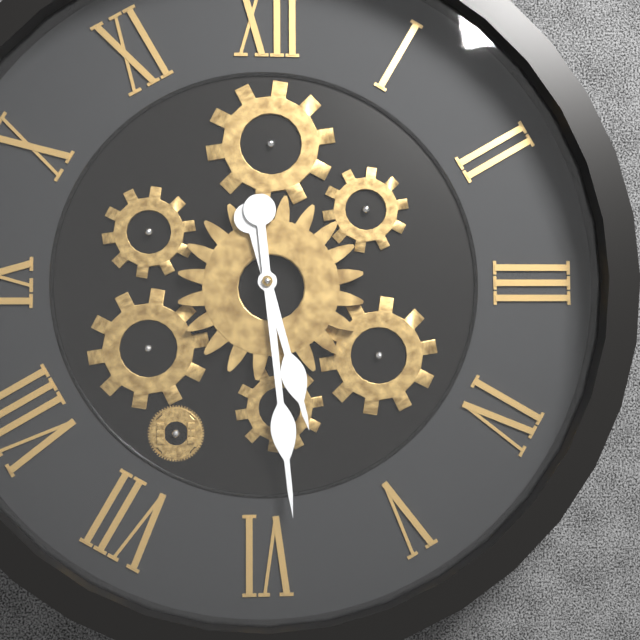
h=5 m=29
